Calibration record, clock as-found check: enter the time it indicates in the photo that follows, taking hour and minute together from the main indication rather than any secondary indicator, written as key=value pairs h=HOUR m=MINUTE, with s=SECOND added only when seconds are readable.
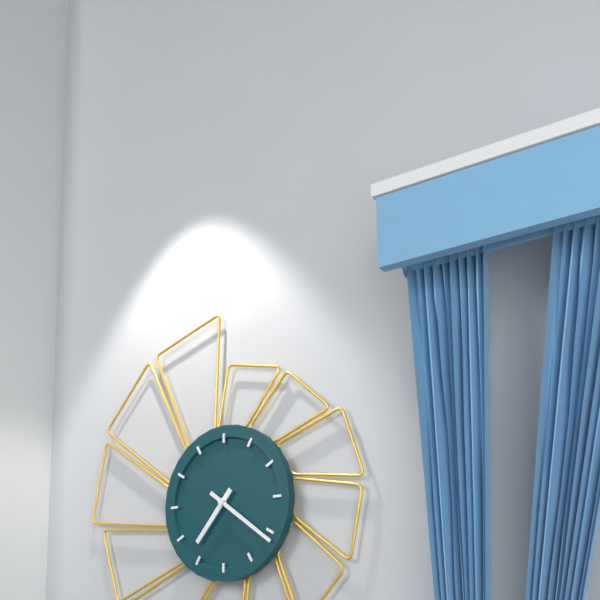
h=7 m=21
